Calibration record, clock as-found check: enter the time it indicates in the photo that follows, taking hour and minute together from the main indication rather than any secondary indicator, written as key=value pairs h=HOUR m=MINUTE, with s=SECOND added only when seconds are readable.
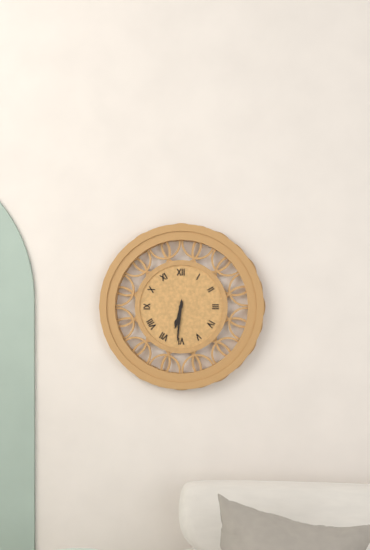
h=6 m=31
